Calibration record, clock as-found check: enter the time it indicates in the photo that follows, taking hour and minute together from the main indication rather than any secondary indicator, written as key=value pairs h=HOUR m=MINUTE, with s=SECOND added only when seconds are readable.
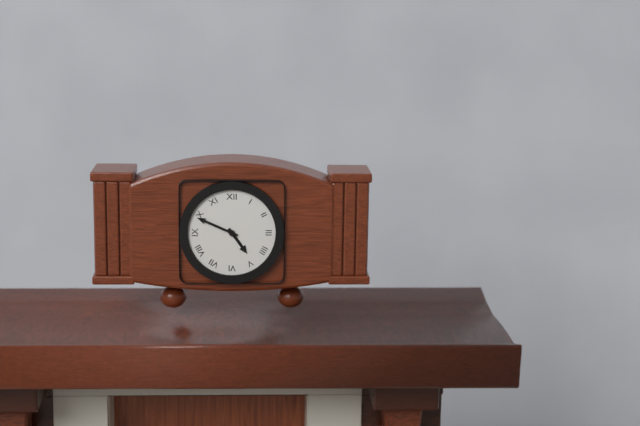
h=4 m=49
